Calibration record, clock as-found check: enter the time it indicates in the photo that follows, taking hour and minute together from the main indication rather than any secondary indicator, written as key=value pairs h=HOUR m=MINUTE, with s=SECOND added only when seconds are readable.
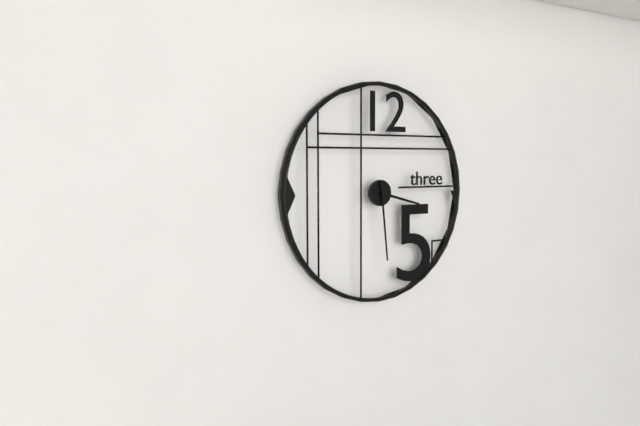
h=3 m=29
